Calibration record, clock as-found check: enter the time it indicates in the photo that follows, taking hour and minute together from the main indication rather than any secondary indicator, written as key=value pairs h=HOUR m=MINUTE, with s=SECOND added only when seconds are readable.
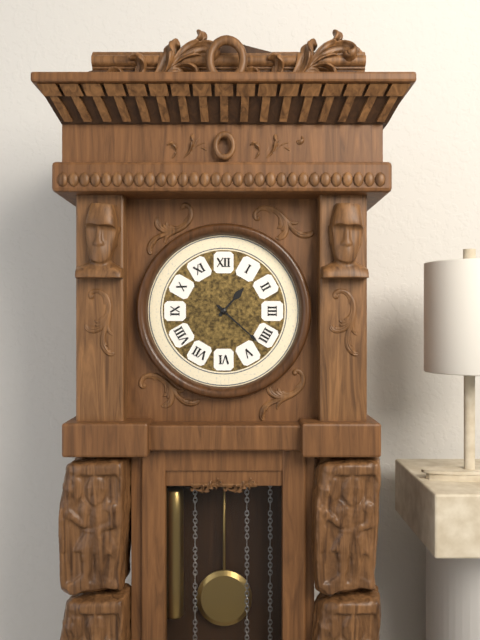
h=1 m=22
